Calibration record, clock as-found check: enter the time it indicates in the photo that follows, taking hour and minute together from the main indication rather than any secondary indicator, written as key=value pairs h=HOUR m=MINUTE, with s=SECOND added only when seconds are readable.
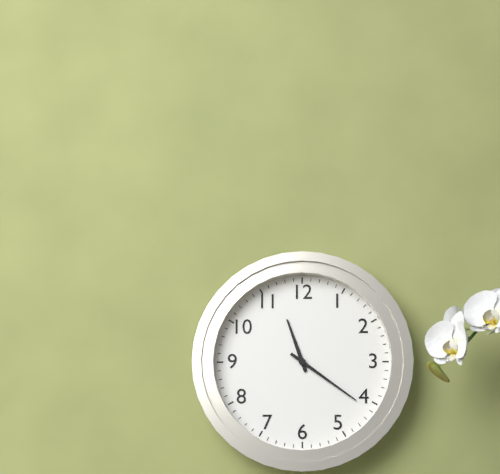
h=11 m=21
